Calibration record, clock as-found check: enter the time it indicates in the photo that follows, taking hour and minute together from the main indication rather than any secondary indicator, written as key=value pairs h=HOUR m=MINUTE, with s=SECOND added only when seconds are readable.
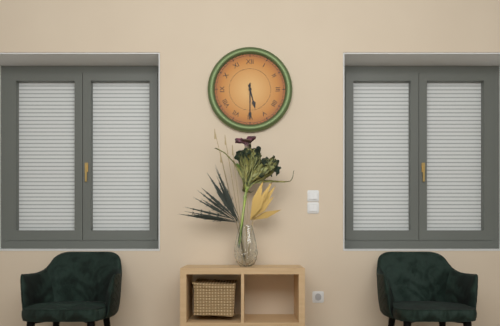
h=5 m=30
